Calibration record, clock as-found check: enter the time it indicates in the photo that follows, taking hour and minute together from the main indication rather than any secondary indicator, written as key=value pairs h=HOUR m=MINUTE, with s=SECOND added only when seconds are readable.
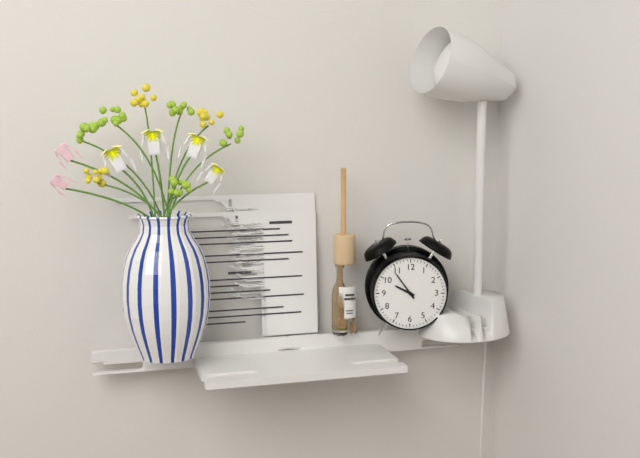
h=9 m=54
